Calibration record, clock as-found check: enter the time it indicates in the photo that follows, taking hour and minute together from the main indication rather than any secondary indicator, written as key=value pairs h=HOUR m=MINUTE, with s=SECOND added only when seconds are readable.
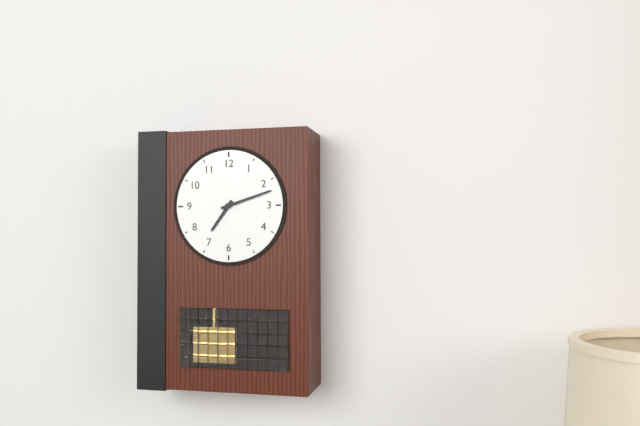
h=7 m=12
